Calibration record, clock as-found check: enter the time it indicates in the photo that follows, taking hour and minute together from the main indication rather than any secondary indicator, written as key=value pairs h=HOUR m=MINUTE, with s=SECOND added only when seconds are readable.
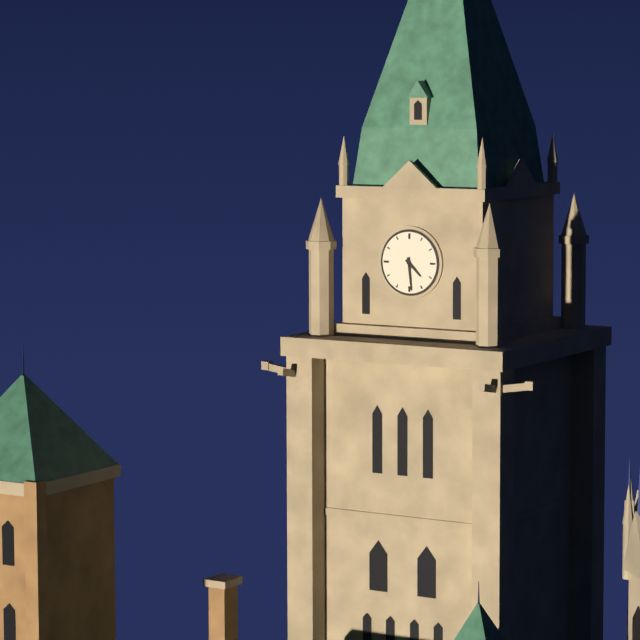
h=4 m=29
